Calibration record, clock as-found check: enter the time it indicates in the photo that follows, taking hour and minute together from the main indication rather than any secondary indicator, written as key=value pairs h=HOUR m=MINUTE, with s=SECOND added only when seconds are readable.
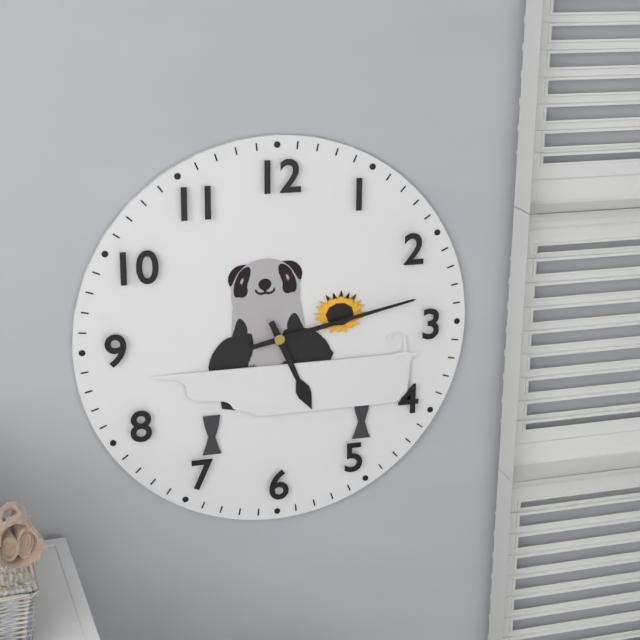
h=5 m=13
